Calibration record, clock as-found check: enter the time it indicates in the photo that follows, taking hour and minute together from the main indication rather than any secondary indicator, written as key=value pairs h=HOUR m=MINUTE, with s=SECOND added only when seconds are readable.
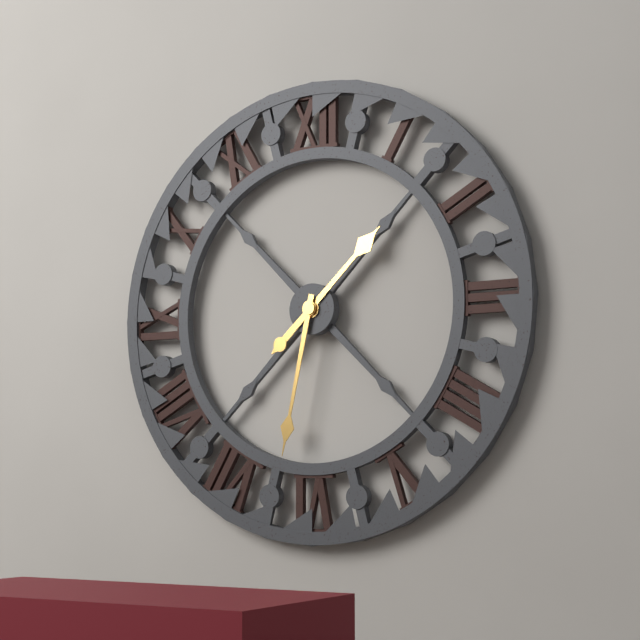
h=1 m=32
